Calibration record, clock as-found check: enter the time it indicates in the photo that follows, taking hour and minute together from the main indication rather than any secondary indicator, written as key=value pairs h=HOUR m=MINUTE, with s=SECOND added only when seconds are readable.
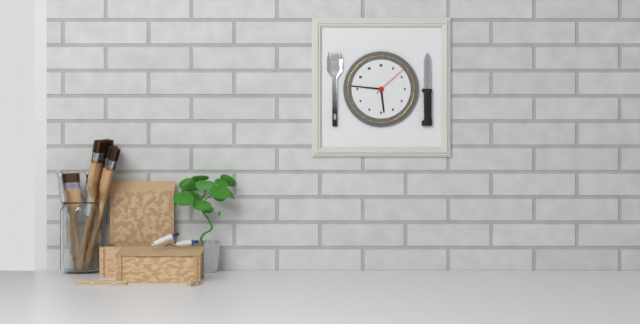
h=5 m=46
